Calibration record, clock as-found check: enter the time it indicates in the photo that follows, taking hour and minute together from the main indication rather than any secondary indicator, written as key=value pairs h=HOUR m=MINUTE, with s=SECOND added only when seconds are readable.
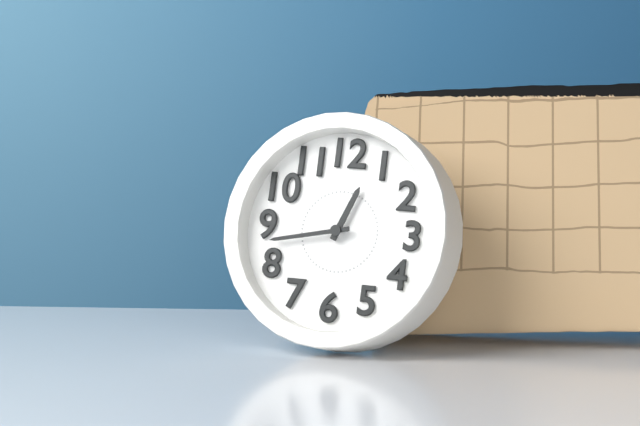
h=12 m=43
